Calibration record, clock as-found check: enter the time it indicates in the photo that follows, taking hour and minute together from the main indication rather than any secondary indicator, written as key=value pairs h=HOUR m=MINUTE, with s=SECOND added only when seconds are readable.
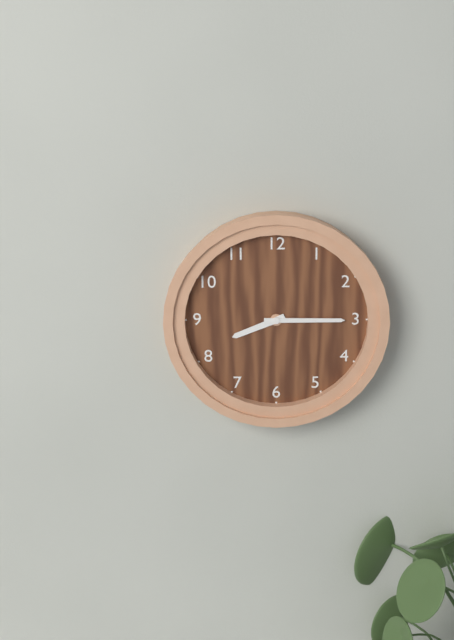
h=8 m=15
